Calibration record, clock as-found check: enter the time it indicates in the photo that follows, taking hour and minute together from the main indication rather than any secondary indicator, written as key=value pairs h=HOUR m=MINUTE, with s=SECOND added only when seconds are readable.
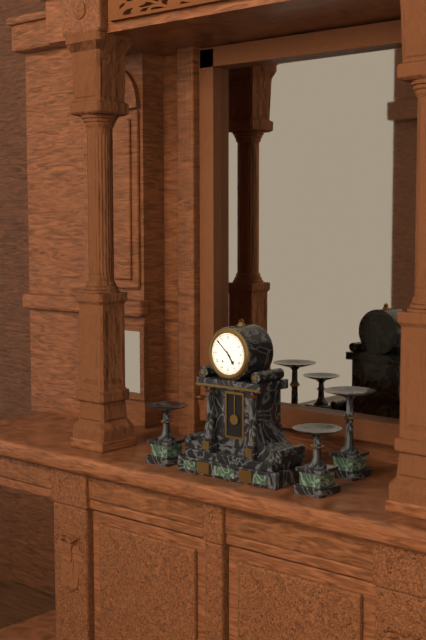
h=4 m=52
